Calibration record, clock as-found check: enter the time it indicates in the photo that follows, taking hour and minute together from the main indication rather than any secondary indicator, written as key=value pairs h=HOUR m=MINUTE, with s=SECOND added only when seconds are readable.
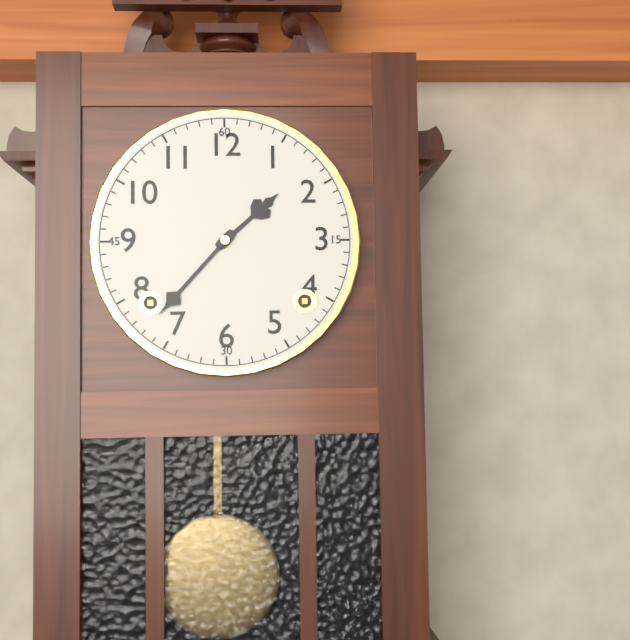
h=1 m=37
